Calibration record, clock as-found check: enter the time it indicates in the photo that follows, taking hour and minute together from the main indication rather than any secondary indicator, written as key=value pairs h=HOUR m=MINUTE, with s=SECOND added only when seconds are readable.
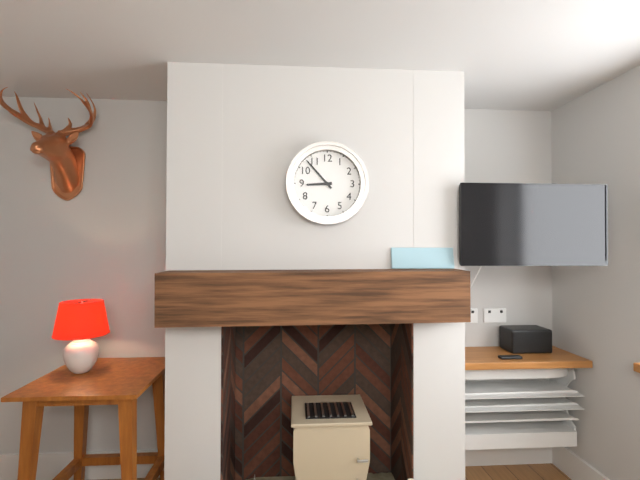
h=8 m=53
